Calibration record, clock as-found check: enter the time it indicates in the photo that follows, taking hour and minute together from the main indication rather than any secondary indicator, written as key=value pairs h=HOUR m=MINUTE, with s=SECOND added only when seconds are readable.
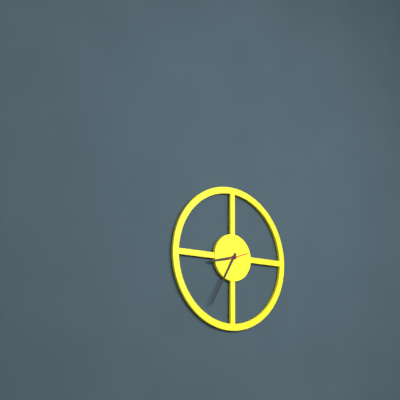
h=8 m=35
